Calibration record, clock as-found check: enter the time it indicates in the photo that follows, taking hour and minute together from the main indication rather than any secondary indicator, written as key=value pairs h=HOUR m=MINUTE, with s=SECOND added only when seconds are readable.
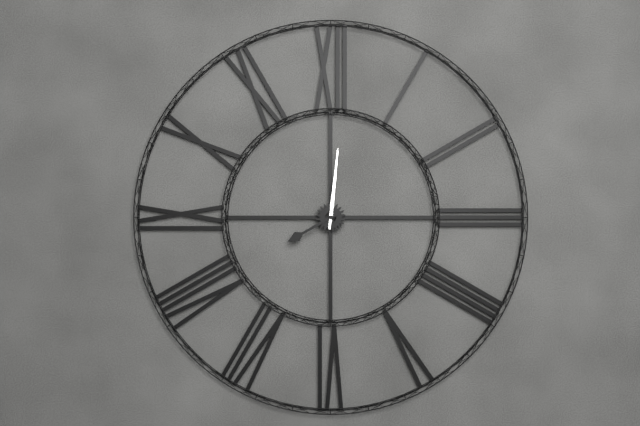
h=8 m=1
